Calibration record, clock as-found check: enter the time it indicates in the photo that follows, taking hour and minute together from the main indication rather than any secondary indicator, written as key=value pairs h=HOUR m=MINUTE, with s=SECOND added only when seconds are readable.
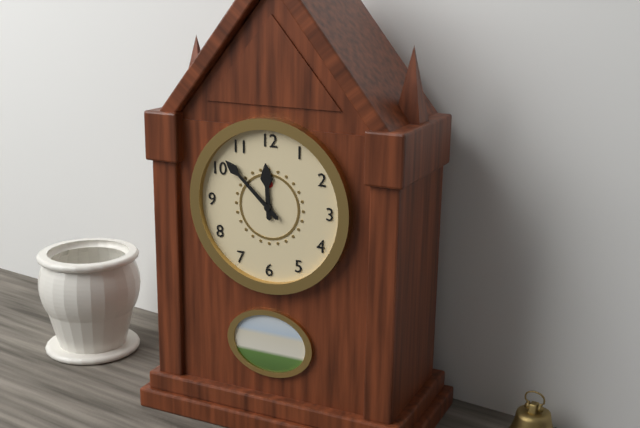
h=11 m=52
